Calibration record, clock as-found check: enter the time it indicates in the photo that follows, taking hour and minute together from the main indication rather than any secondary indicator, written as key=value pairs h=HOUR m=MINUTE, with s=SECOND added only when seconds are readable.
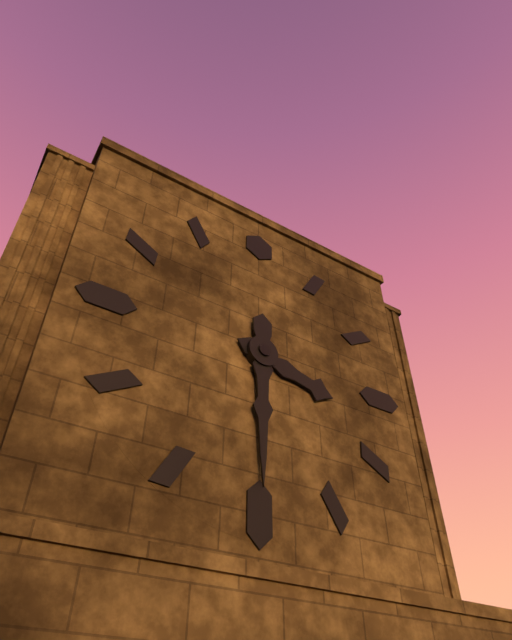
h=3 m=30
